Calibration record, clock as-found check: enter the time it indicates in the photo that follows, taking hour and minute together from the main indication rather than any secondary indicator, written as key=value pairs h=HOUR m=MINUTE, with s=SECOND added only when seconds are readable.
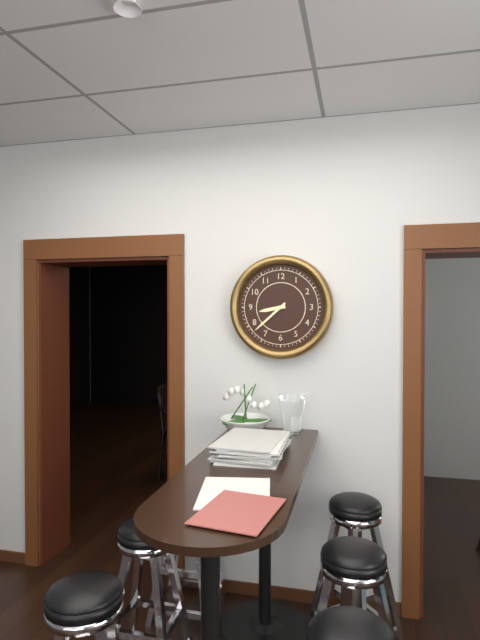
h=8 m=38
